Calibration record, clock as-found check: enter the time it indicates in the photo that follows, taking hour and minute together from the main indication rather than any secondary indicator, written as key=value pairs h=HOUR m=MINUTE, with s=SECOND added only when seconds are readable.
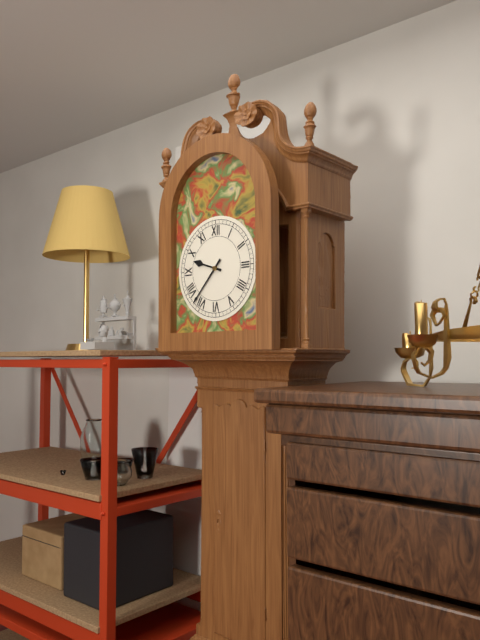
h=9 m=37
